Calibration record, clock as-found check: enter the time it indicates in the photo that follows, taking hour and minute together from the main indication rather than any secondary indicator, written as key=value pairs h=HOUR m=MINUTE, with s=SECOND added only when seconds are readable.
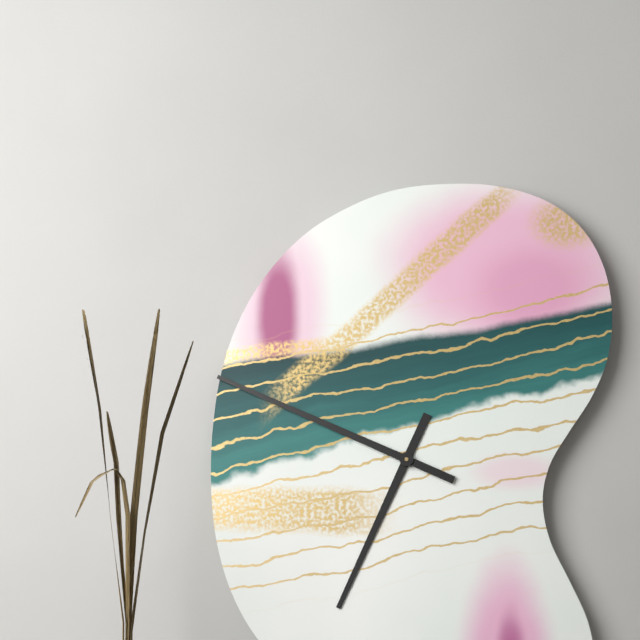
h=6 m=49
